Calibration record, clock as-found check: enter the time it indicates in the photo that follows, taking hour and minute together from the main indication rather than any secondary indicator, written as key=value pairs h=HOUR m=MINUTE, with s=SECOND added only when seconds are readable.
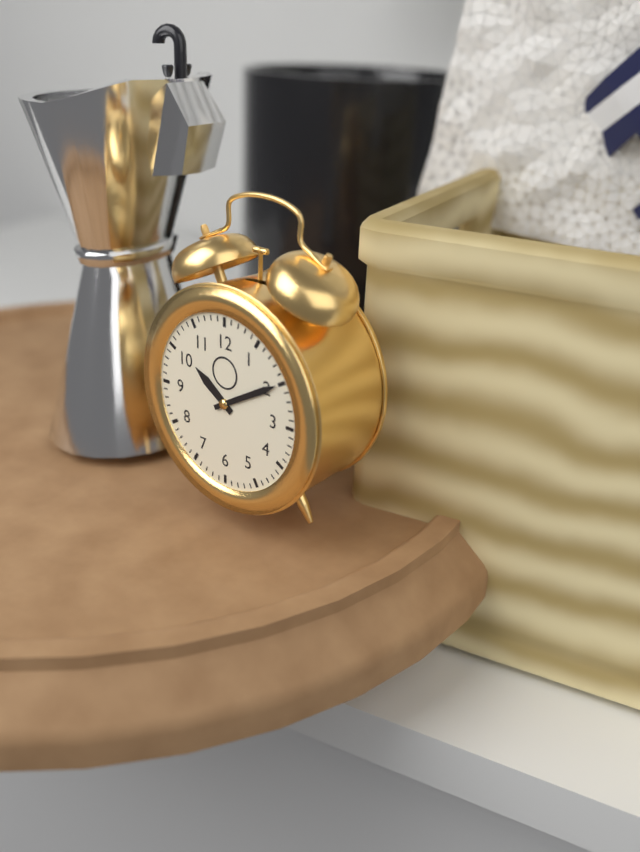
h=10 m=10
